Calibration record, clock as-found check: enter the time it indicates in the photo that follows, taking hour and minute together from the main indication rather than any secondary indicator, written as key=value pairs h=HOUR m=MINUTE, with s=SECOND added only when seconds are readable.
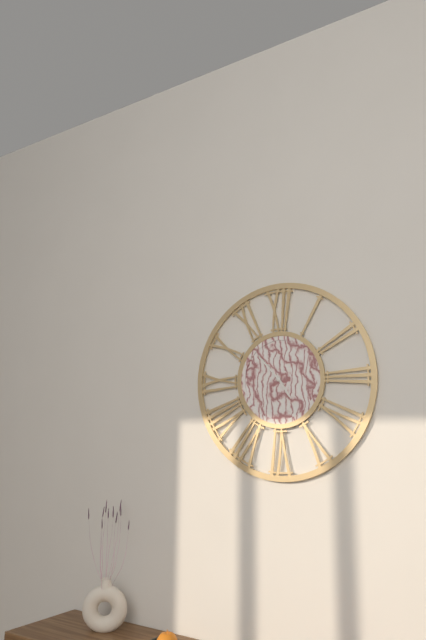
h=4 m=53
